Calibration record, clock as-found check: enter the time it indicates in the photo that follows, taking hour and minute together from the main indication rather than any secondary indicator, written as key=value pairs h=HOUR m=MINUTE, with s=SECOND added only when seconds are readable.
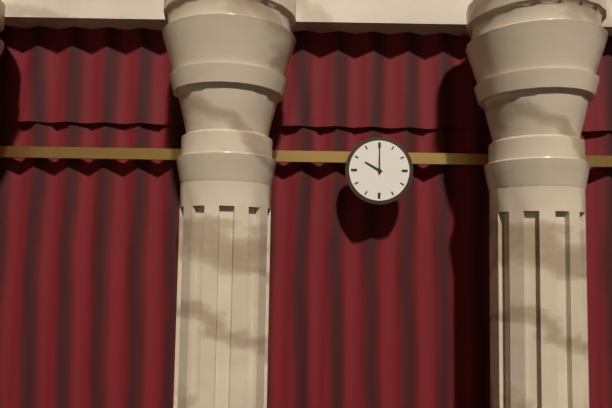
h=10 m=0
